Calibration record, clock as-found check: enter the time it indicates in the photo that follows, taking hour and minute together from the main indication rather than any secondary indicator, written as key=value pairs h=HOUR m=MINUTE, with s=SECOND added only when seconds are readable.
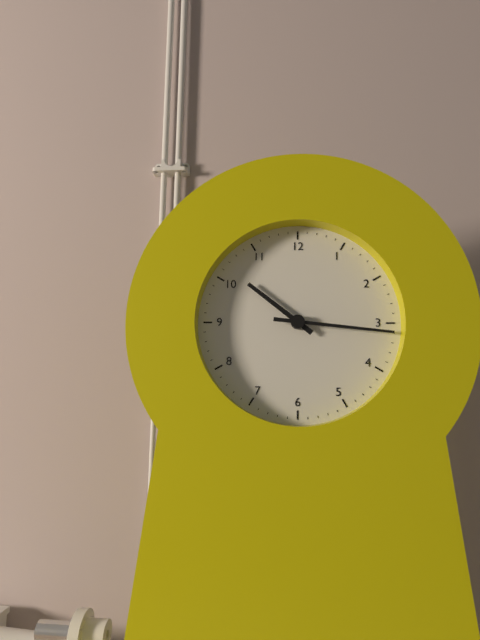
h=10 m=16
